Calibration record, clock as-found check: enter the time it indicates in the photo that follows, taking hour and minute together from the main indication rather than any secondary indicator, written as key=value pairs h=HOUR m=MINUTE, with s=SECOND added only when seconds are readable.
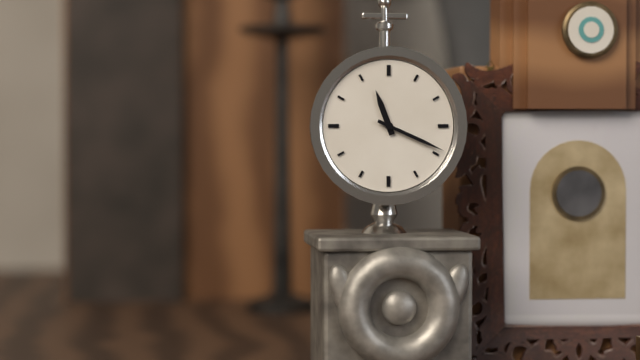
h=11 m=19
